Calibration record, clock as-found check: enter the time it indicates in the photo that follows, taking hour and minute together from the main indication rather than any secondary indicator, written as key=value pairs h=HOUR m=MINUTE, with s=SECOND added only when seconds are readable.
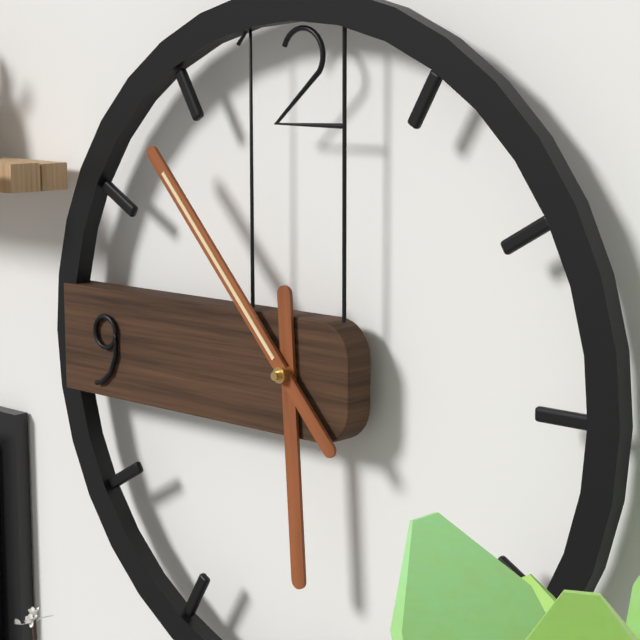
h=5 m=53
